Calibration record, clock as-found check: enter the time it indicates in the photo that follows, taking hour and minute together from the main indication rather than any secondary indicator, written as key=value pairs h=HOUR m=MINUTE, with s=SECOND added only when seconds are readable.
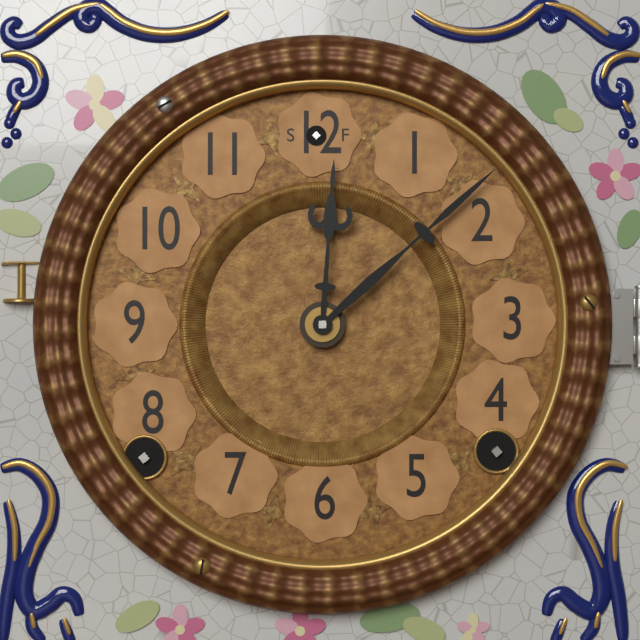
h=12 m=8
